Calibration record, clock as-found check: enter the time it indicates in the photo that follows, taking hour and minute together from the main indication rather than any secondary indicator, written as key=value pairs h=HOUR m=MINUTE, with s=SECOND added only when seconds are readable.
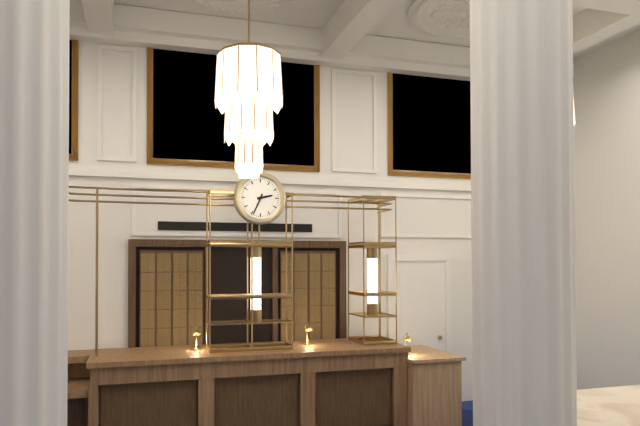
h=2 m=34
